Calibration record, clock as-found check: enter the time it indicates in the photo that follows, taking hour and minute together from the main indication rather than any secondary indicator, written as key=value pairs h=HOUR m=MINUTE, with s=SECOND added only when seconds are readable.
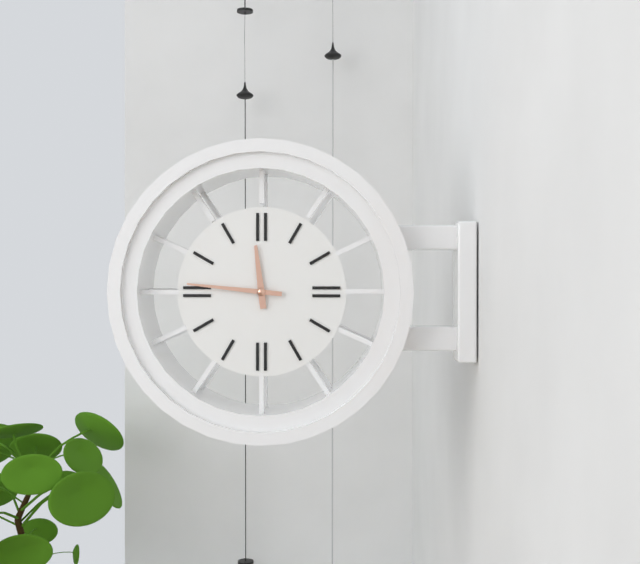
h=11 m=46
